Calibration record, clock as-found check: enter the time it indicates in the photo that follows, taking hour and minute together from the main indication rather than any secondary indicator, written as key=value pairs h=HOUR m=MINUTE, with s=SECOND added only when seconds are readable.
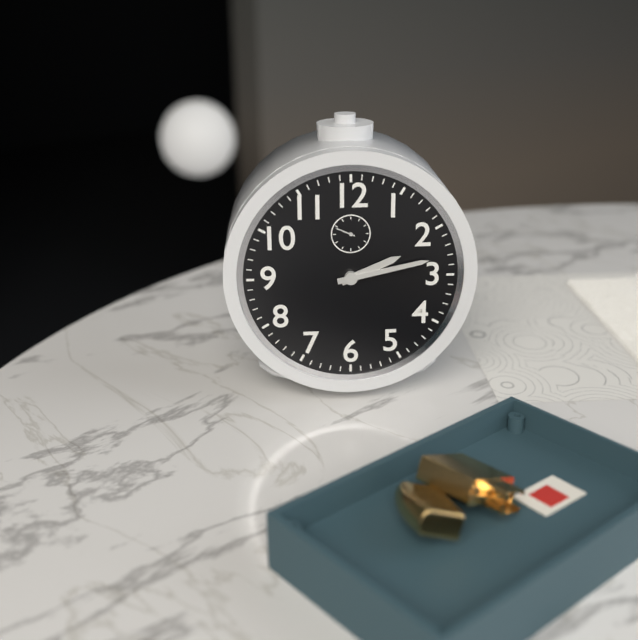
h=2 m=13
